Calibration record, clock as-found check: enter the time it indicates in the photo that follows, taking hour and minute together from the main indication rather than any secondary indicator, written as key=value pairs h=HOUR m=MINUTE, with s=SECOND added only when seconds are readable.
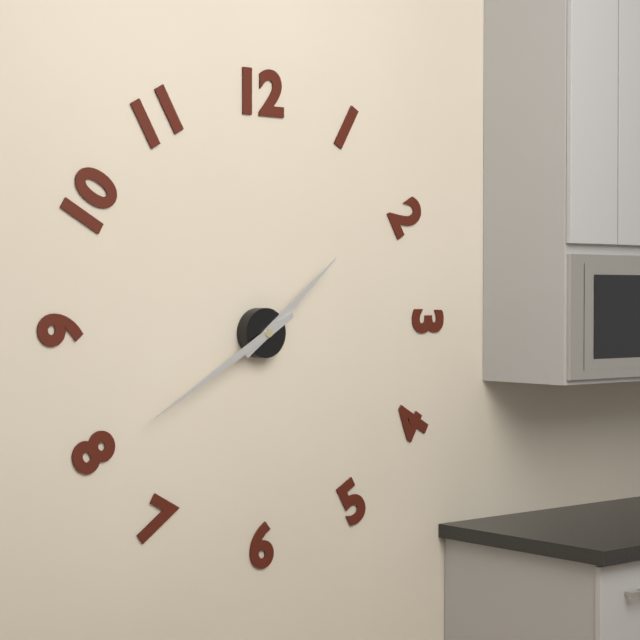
h=1 m=40
